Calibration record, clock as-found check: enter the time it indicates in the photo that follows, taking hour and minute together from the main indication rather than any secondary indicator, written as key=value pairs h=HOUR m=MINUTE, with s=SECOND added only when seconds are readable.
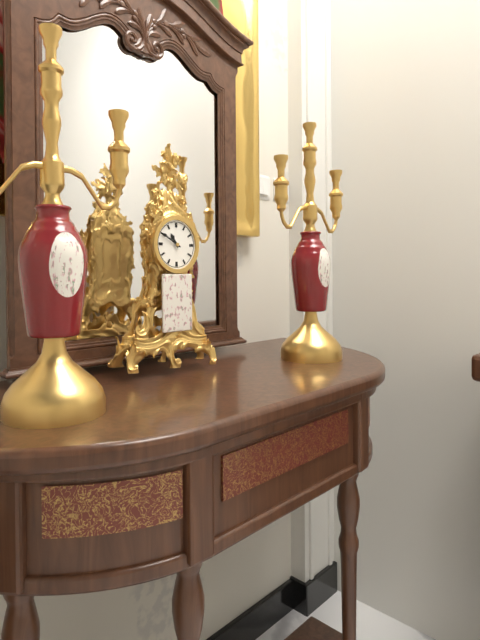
h=10 m=50
